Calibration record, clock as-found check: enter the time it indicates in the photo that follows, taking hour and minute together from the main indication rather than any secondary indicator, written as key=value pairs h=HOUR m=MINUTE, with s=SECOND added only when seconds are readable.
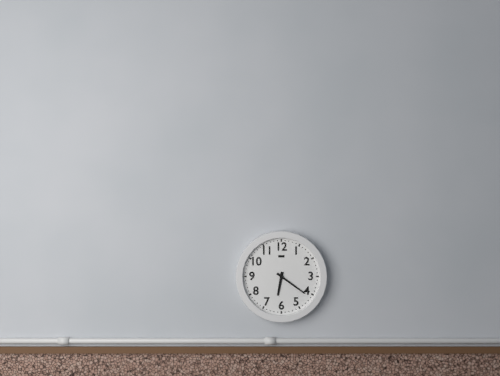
h=6 m=21
